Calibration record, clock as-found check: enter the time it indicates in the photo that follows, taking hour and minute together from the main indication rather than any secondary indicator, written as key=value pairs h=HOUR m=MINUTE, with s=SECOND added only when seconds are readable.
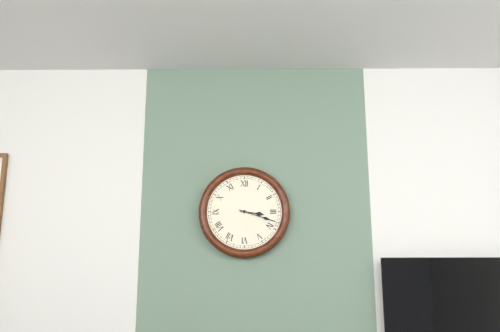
h=3 m=18
